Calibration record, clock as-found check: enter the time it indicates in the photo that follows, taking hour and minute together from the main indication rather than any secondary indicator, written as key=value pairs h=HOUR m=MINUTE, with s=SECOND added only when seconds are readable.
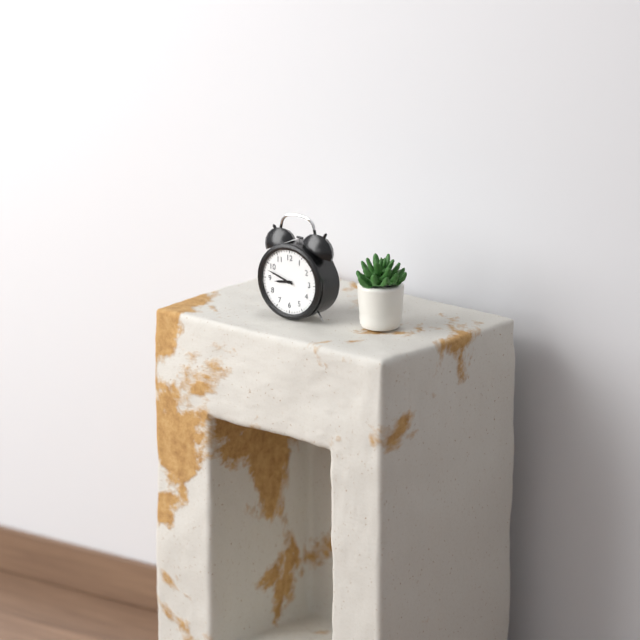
h=8 m=48
